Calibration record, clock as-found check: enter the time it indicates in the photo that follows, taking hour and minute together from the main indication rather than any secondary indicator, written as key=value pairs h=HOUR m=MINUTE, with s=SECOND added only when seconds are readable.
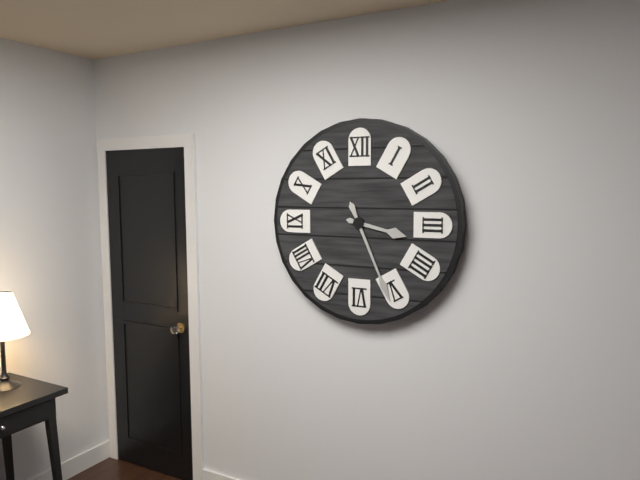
h=3 m=26
